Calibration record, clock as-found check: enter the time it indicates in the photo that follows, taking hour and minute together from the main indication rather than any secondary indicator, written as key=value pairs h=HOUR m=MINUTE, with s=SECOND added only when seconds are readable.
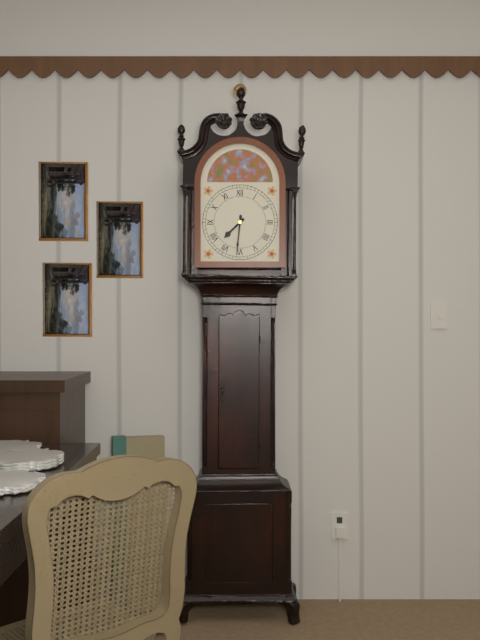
h=7 m=31
